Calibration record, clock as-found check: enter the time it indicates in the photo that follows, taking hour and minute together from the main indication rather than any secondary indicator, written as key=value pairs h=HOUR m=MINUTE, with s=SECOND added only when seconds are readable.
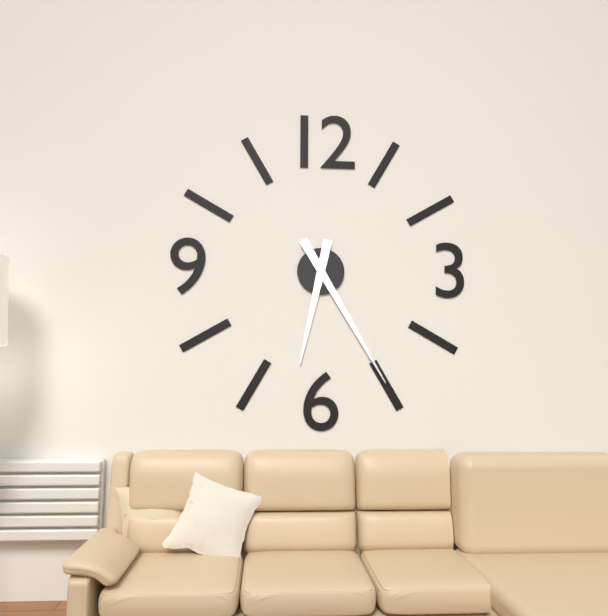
h=6 m=25
